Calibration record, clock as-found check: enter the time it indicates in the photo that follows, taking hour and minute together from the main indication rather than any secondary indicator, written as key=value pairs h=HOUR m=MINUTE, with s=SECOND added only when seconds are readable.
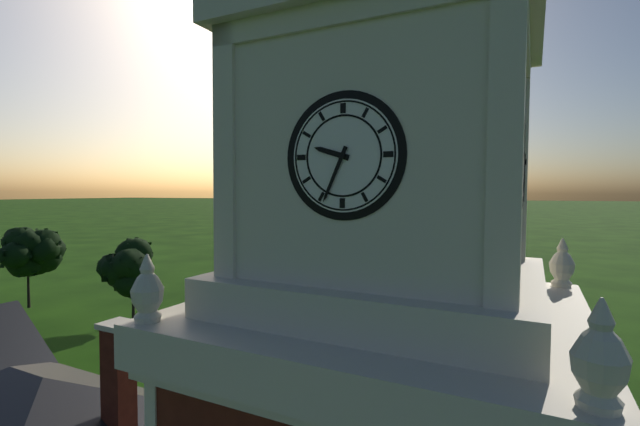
h=9 m=34
